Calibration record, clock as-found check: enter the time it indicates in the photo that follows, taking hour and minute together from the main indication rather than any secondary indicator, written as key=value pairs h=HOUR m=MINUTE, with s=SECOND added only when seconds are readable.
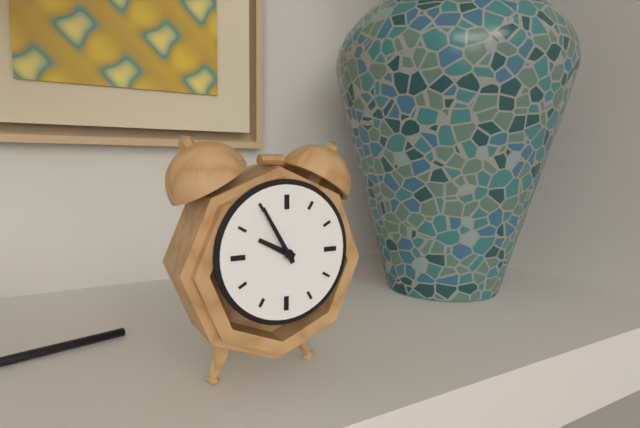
h=9 m=55
